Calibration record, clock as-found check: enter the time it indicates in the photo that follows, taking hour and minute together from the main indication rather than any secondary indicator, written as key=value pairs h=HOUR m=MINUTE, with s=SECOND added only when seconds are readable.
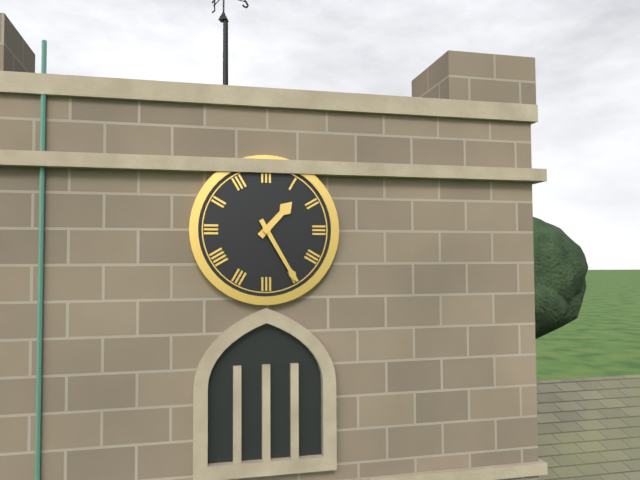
h=1 m=25
